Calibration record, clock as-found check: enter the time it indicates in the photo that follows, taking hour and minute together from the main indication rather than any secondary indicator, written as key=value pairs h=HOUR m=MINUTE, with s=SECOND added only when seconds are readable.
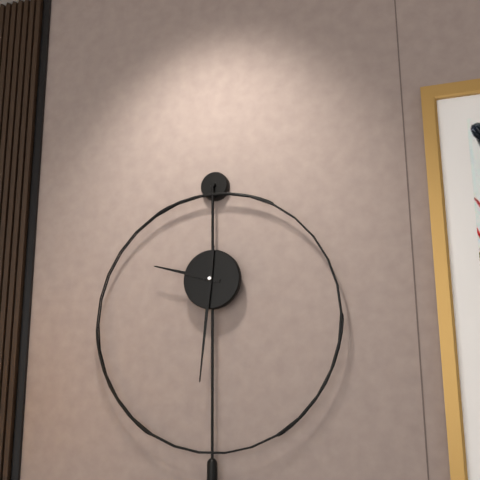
h=9 m=31
